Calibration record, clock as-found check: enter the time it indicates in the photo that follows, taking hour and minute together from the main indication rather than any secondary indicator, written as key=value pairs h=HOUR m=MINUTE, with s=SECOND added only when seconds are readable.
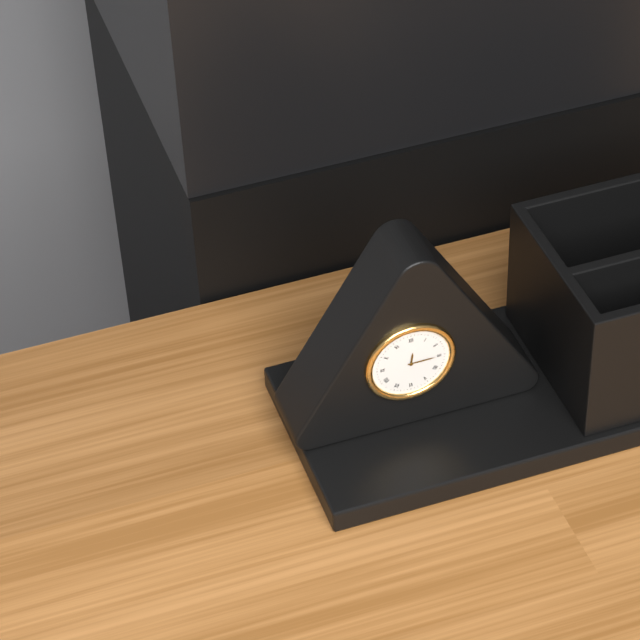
h=12 m=15
